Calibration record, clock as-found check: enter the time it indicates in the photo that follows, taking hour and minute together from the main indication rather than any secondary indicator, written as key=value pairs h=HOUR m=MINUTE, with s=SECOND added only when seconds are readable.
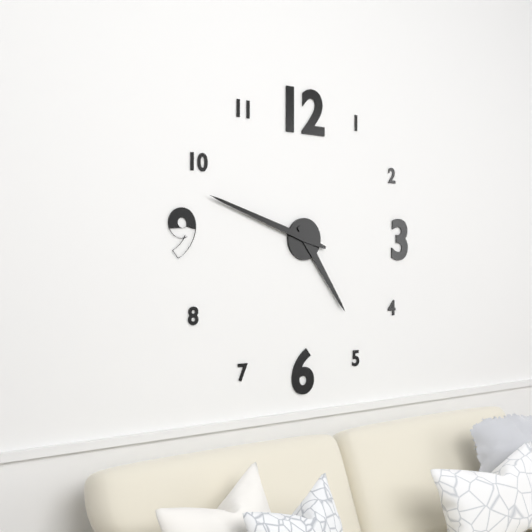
h=4 m=48
